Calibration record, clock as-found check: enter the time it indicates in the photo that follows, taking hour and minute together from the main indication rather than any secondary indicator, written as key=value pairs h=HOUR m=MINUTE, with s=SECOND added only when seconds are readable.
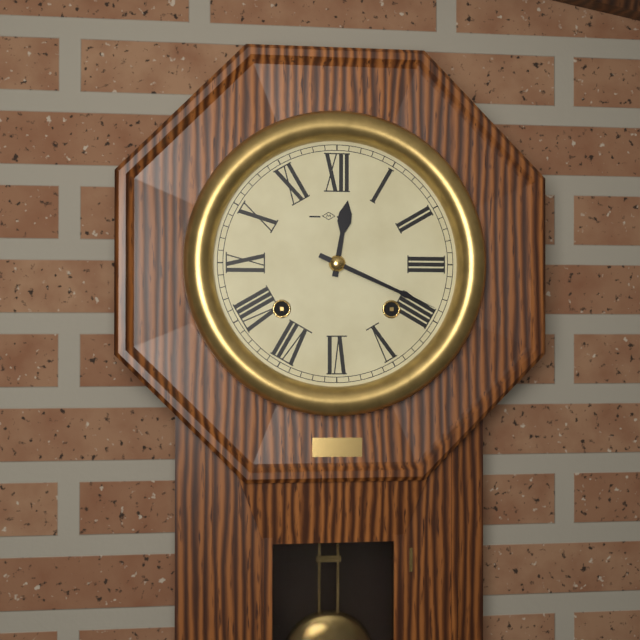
h=12 m=19
